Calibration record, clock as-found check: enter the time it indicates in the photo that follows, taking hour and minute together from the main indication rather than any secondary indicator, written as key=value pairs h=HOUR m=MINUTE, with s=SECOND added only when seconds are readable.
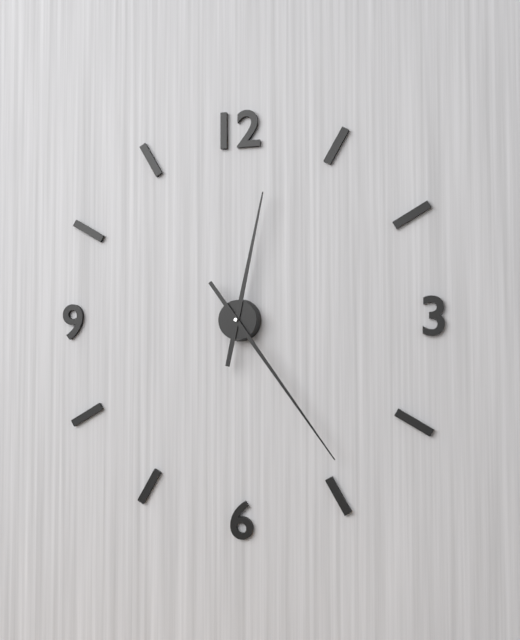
h=12 m=24
